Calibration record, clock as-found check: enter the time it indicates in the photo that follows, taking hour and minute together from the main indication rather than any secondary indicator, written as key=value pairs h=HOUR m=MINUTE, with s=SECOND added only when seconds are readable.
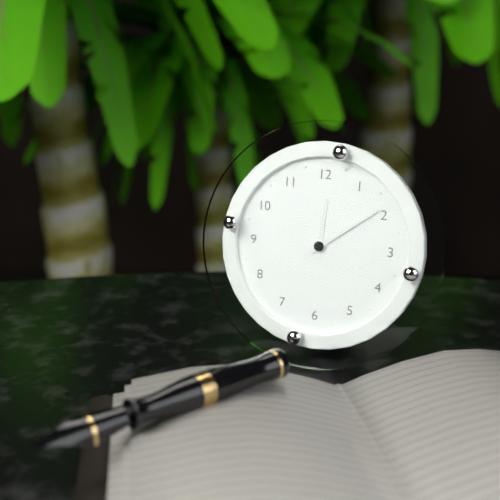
h=12 m=9
